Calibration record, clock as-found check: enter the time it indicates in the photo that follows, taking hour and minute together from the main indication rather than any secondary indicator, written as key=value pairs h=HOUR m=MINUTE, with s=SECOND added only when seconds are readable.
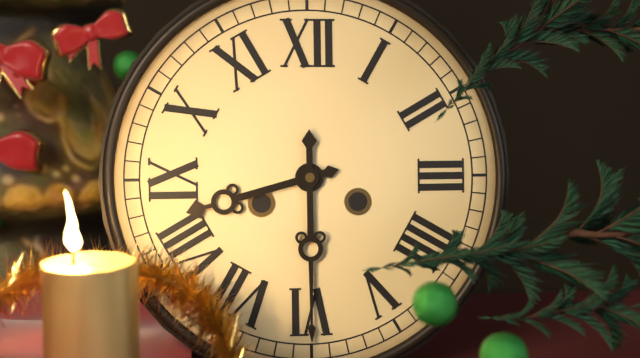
h=8 m=30
